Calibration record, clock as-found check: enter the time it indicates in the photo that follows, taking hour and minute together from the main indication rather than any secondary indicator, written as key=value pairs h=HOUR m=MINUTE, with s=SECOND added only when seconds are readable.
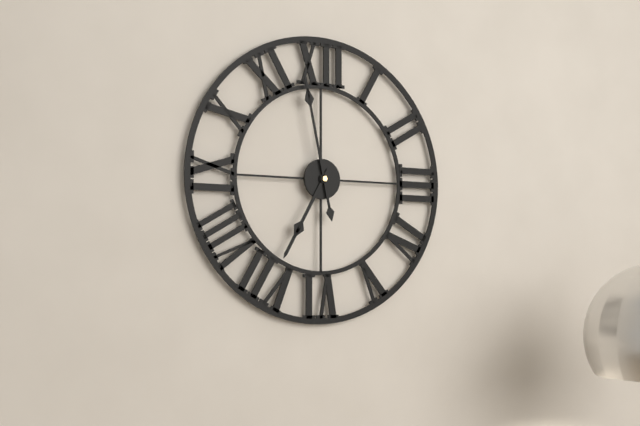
h=6 m=58
